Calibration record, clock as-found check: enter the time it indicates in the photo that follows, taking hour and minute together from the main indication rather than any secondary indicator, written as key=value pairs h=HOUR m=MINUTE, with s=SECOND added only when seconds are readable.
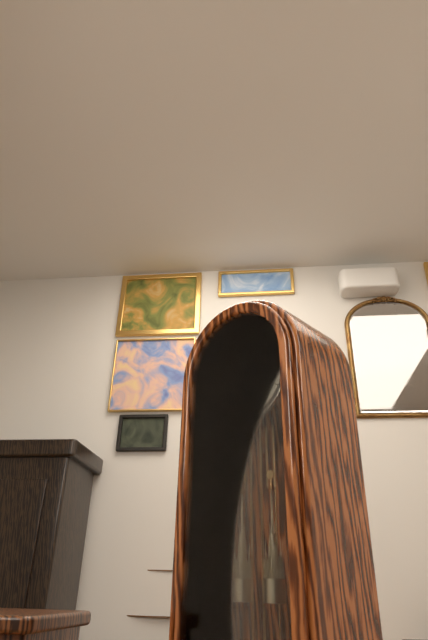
h=7 m=53
